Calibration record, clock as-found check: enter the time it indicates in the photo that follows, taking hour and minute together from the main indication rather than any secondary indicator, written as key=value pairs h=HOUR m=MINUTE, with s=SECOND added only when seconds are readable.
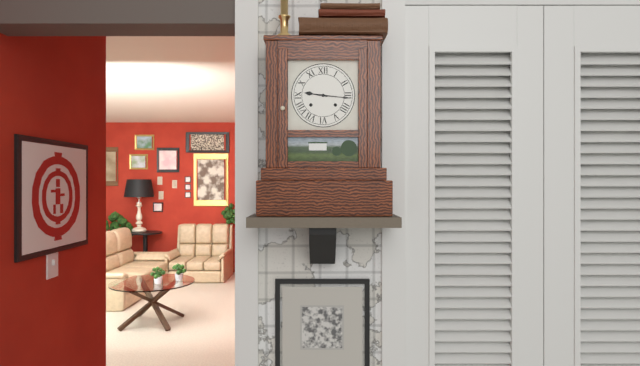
h=9 m=16
